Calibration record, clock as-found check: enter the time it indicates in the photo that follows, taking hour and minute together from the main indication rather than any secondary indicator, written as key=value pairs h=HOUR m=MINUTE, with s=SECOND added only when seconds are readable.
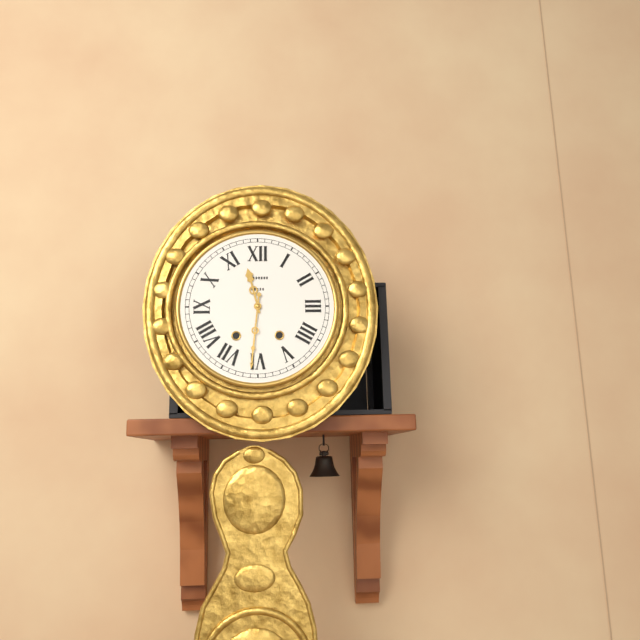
h=11 m=31
